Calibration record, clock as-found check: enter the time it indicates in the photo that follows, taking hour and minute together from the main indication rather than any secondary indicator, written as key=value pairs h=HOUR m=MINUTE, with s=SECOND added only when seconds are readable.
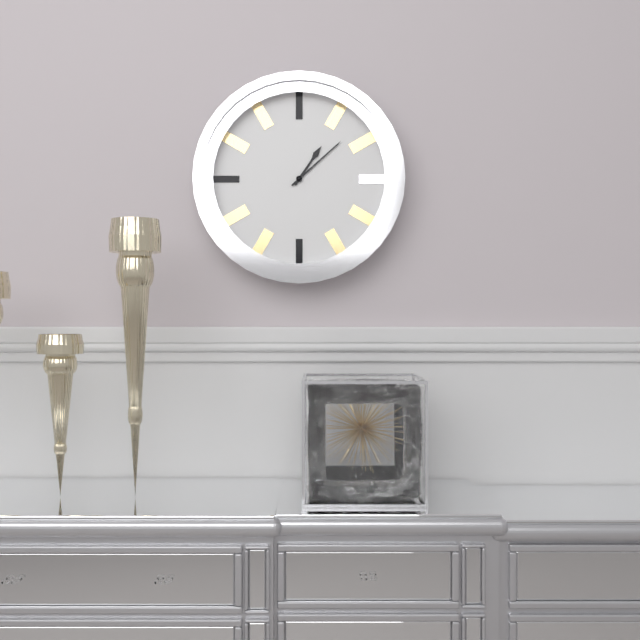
h=1 m=8
